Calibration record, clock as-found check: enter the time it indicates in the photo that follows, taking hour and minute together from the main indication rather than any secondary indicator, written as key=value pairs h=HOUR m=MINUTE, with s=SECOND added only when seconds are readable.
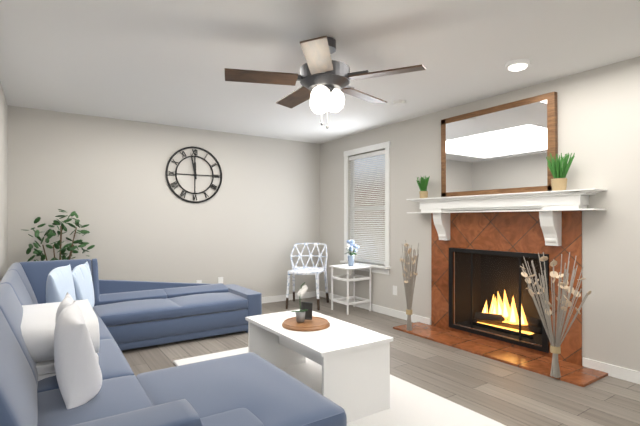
h=11 m=58
